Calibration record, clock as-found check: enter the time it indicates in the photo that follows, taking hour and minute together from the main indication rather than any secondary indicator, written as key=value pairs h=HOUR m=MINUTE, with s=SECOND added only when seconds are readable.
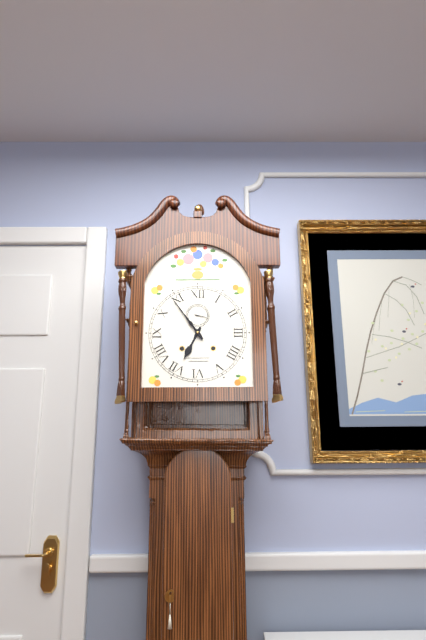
h=6 m=54
